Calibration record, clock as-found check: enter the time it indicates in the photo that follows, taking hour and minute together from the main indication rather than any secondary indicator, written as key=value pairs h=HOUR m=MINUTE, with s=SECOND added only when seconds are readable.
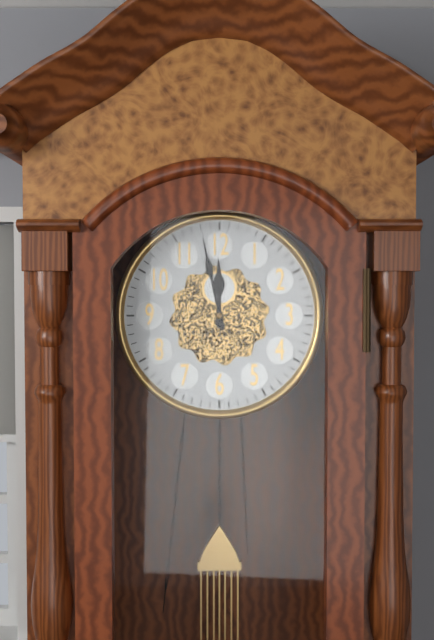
h=11 m=58
